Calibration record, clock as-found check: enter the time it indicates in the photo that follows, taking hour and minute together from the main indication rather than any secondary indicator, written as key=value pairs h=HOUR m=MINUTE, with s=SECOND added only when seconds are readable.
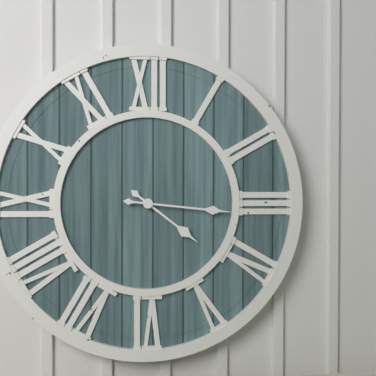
h=4 m=16
